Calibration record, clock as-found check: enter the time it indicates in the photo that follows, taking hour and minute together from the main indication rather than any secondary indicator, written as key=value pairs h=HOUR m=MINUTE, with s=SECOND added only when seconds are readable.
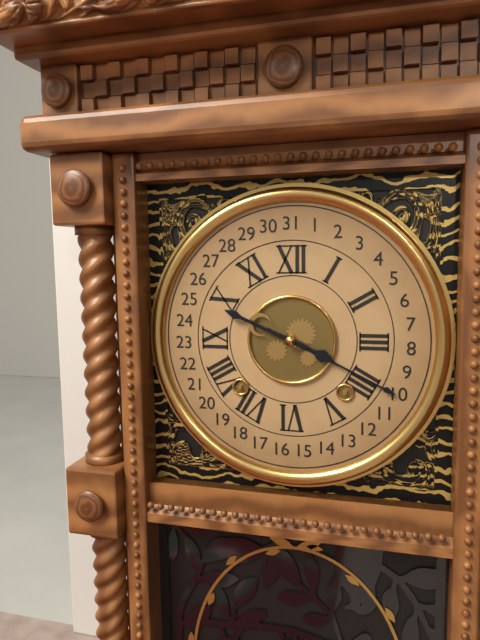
h=3 m=49
